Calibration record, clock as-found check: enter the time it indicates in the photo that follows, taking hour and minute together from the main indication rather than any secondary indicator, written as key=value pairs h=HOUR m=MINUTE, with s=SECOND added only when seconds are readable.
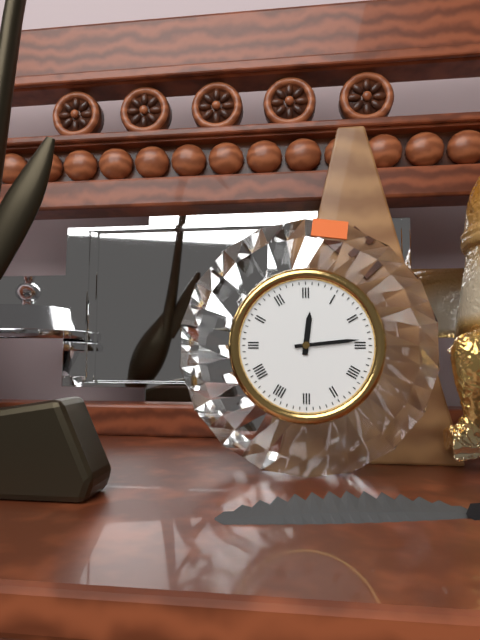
h=12 m=14
